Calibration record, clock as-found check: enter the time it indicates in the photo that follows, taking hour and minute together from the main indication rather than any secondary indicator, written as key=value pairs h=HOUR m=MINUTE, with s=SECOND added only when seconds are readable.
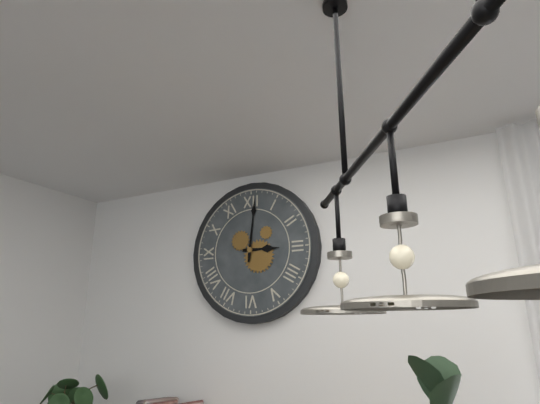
h=3 m=1
